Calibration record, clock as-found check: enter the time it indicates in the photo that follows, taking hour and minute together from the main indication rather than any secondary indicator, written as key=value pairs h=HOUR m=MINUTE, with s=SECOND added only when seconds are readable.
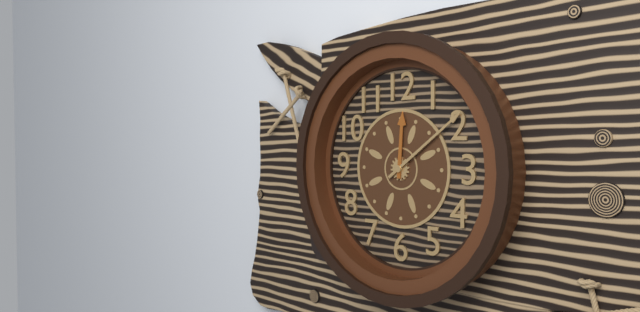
h=12 m=9
